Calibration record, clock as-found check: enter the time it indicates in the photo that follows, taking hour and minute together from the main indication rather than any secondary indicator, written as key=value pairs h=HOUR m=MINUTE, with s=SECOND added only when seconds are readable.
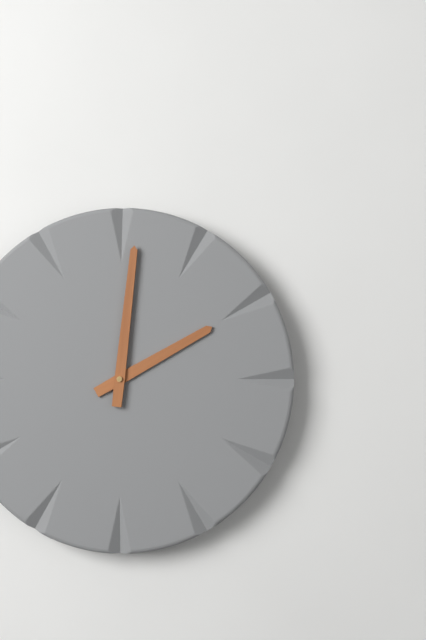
h=2 m=1
